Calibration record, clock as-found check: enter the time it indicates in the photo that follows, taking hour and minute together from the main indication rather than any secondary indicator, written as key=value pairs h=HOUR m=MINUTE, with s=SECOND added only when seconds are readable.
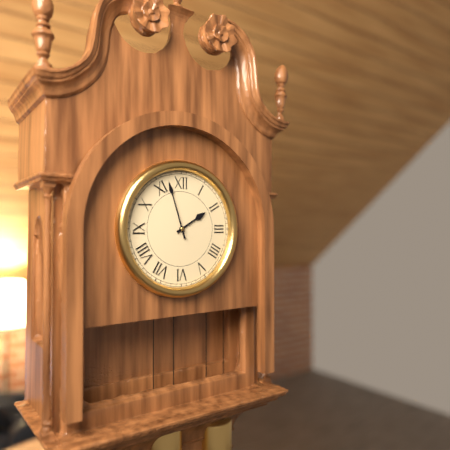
h=1 m=57
